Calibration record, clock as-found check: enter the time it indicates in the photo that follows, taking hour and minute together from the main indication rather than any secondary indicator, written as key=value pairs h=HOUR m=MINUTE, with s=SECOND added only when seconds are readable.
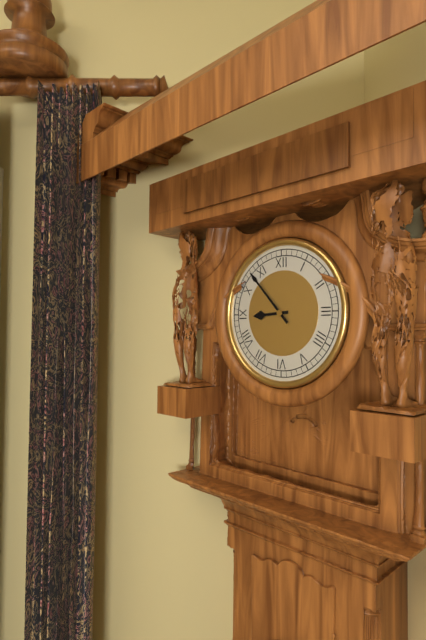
h=8 m=53
